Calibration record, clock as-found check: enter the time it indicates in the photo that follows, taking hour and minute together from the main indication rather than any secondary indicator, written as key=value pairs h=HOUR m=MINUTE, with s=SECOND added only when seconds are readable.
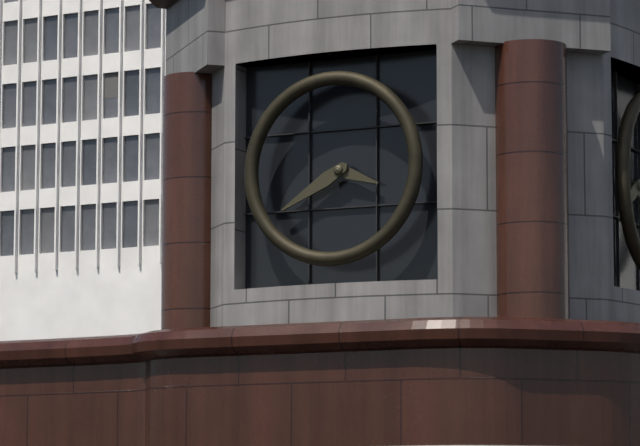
h=3 m=40
